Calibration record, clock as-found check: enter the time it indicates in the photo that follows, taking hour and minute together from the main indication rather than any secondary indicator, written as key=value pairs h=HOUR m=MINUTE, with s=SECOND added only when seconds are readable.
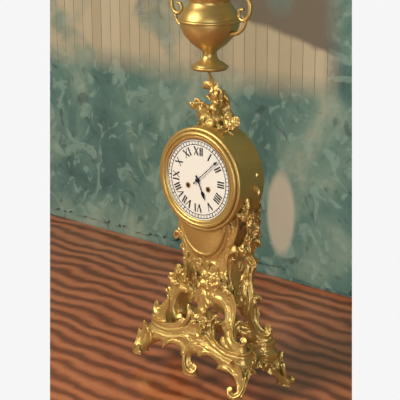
h=5 m=8
